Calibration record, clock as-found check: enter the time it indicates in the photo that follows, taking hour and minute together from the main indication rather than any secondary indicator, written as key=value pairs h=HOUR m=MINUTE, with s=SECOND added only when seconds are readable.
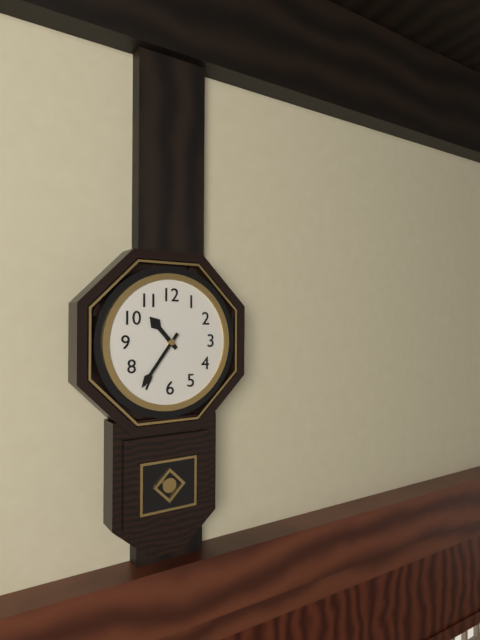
h=10 m=36
